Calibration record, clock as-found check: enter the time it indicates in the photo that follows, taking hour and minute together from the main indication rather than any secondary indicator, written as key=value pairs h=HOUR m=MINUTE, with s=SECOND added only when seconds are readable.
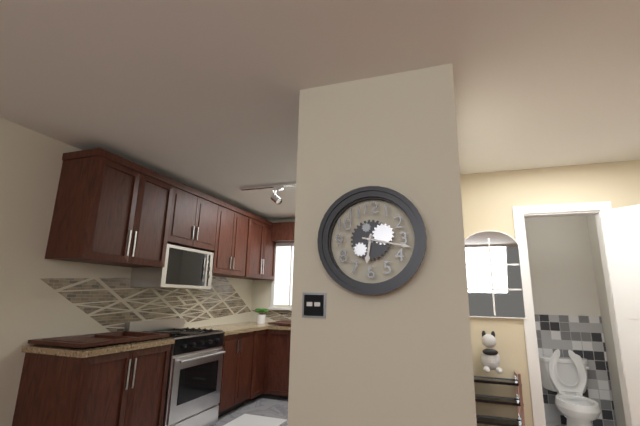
h=6 m=17
